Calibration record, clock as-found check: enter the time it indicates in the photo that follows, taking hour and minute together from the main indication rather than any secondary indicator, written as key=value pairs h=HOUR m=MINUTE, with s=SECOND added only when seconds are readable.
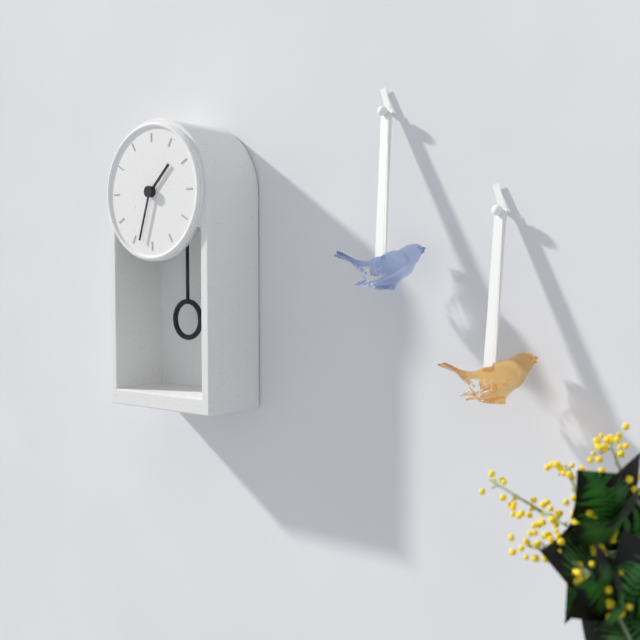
h=1 m=33
